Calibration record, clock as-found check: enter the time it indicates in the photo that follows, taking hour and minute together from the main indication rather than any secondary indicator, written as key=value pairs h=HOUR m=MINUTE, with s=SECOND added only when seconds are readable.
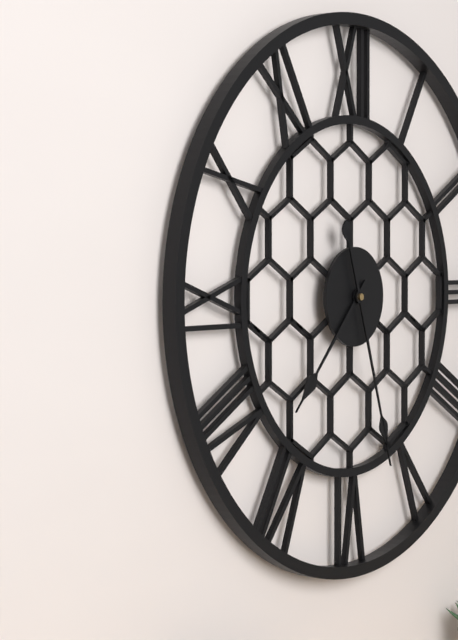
h=7 m=27
